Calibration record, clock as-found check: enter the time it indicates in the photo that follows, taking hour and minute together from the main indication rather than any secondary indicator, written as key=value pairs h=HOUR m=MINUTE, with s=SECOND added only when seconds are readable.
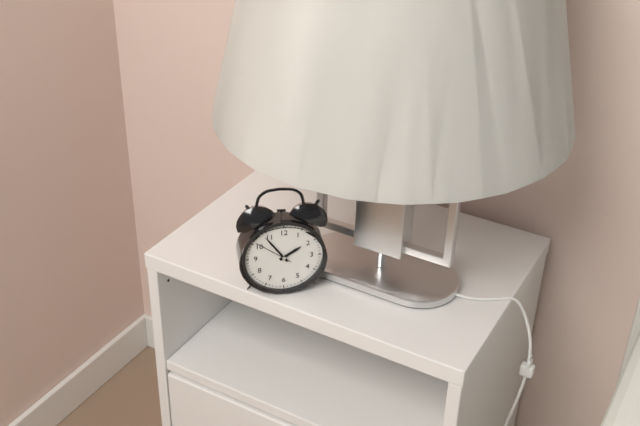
h=1 m=54
